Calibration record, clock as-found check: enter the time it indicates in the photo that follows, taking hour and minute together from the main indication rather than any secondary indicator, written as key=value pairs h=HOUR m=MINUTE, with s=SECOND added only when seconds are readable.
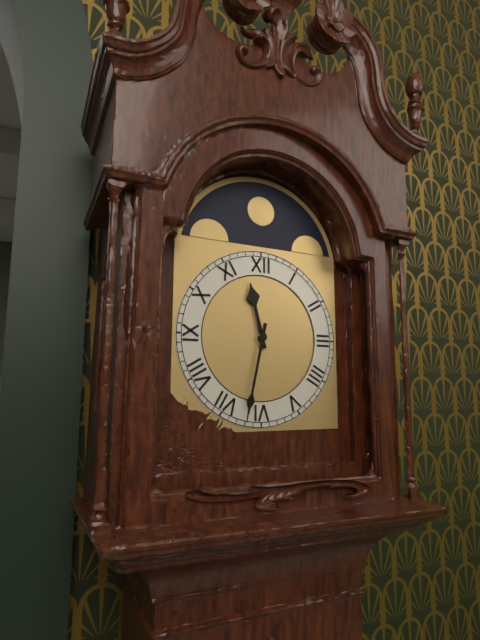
h=11 m=32
